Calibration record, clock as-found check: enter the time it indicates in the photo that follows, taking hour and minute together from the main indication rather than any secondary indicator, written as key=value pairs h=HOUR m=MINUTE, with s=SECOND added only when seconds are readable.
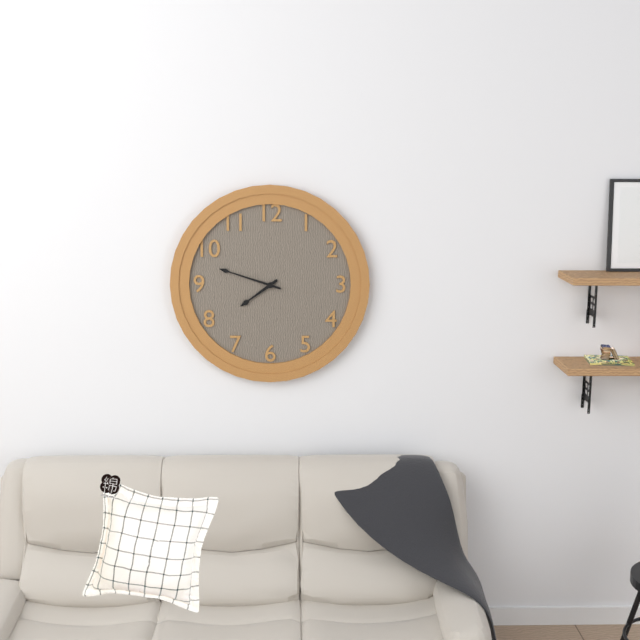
h=7 m=48
